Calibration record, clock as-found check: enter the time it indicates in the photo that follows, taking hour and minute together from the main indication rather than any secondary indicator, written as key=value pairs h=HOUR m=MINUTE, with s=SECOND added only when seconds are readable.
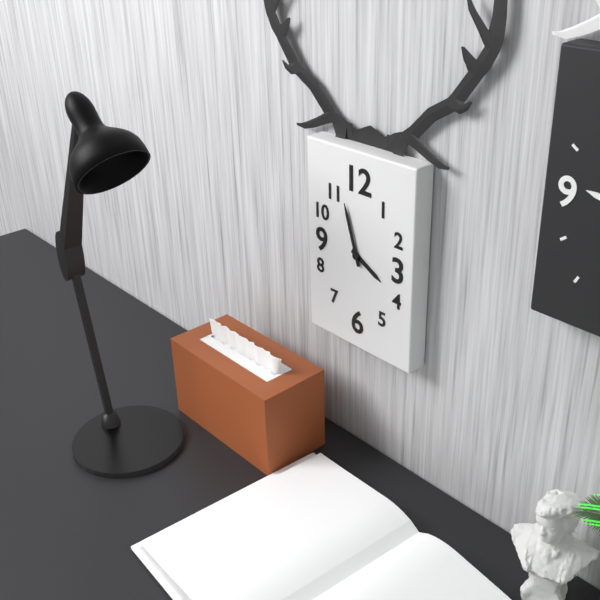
h=3 m=57
